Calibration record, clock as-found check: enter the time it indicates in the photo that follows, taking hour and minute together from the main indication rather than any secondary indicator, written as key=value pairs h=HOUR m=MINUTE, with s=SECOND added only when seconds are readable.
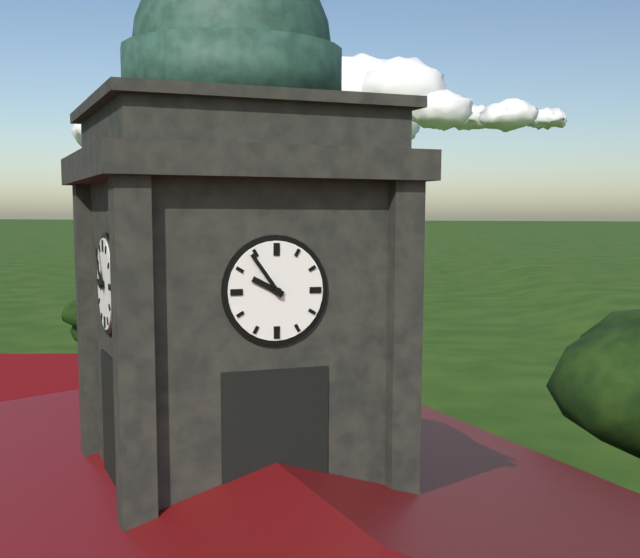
h=9 m=54
